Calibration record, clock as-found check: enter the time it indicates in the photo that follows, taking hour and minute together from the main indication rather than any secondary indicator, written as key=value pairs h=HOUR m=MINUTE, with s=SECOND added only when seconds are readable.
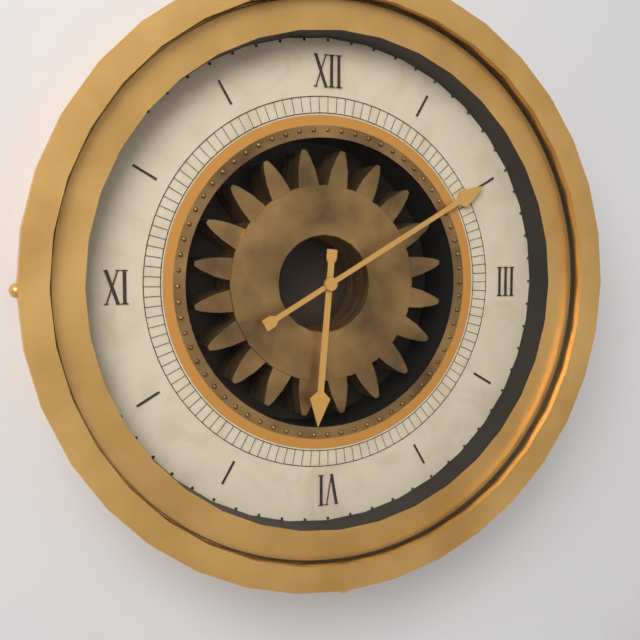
h=6 m=10
